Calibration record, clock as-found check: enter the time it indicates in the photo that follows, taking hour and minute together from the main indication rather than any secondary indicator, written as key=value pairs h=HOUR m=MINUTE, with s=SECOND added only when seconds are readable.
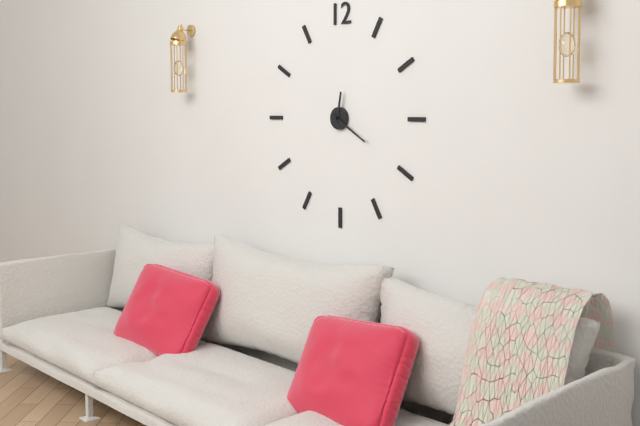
h=12 m=20
